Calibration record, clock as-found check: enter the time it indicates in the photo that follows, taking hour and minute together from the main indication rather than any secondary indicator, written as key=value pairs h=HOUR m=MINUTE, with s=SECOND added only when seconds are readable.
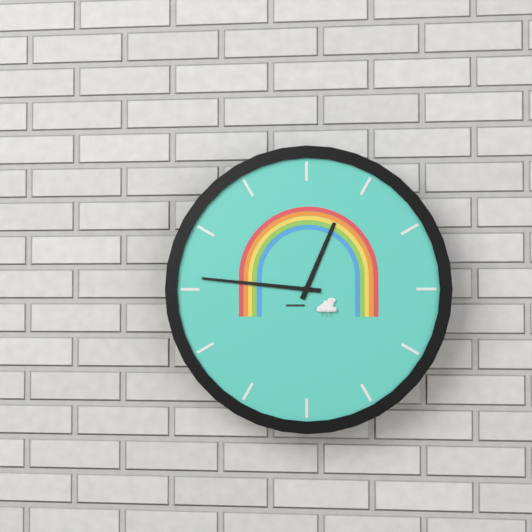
h=12 m=46
